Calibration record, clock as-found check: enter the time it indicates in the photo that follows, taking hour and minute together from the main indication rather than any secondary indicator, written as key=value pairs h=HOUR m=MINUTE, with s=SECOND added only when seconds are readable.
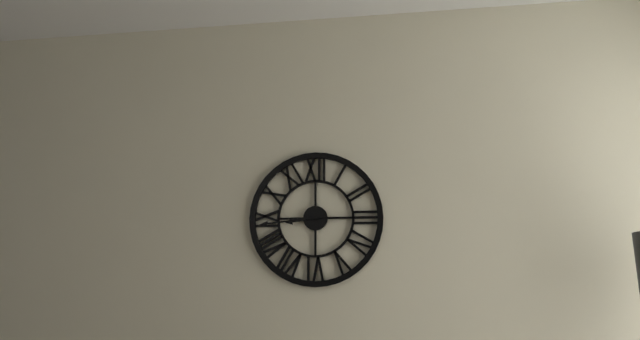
h=8 m=44
